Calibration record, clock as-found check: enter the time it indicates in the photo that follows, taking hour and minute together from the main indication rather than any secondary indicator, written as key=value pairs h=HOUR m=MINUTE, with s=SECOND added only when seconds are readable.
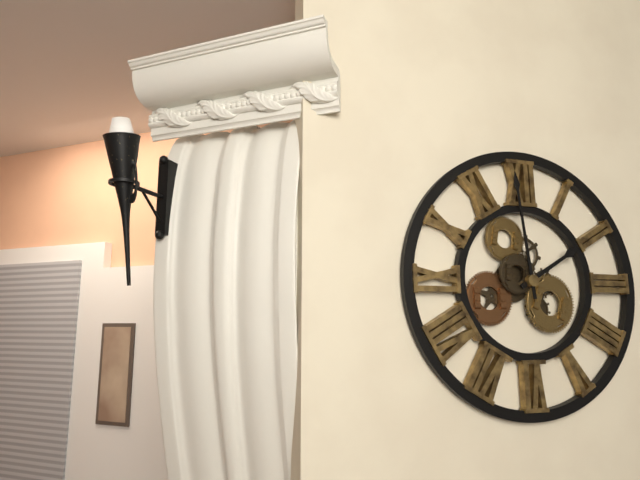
h=1 m=59
